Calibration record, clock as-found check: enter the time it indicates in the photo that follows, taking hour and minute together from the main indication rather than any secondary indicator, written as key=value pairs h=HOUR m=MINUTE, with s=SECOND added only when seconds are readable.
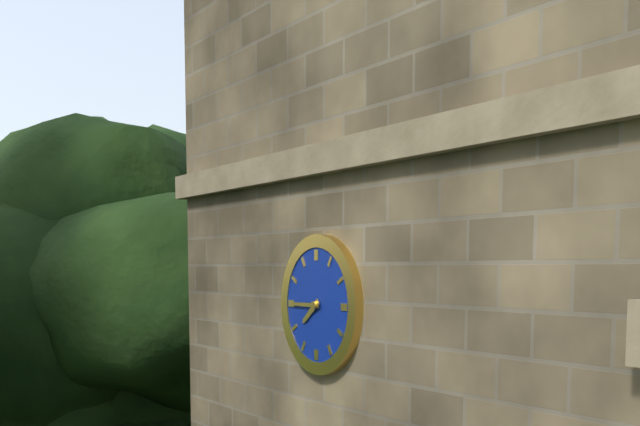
h=7 m=45
